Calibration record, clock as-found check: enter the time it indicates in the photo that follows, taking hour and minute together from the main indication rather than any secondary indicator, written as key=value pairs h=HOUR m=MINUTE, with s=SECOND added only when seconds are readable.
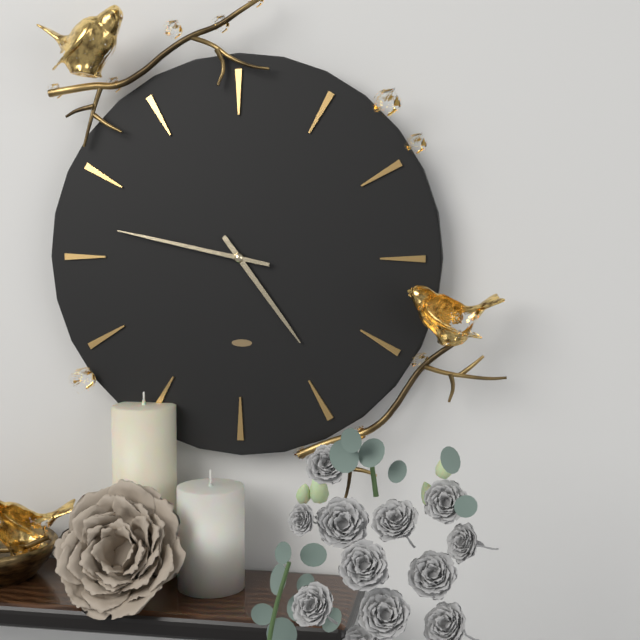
h=4 m=47
